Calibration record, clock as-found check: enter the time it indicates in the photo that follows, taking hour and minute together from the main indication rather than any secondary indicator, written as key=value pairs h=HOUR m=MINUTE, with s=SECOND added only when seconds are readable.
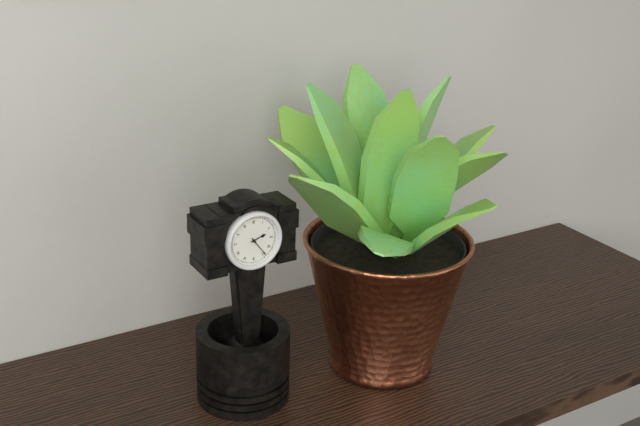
h=2 m=24
